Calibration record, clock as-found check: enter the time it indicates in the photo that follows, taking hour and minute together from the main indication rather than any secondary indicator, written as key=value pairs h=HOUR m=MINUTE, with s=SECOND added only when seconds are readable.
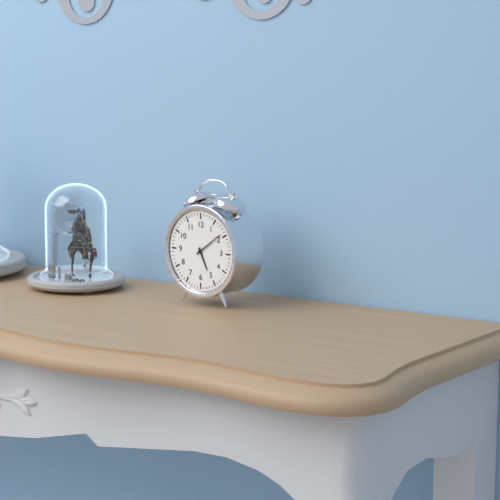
h=5 m=9
